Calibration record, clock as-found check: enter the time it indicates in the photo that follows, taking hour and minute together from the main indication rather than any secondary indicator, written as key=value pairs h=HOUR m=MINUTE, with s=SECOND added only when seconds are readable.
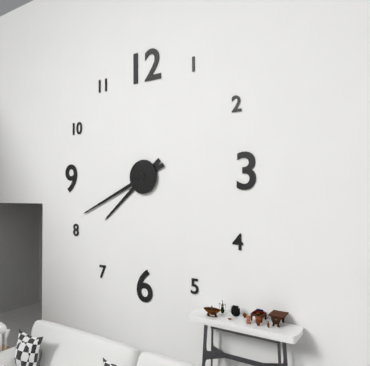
h=7 m=41
